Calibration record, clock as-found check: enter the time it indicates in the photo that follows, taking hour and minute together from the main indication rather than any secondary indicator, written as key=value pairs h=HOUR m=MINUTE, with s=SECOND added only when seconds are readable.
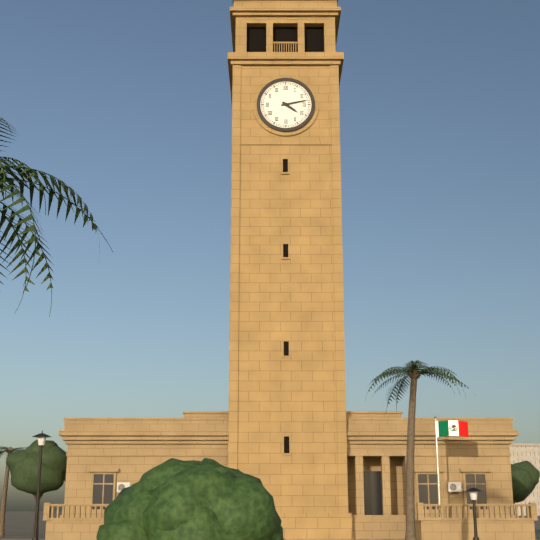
h=4 m=13
